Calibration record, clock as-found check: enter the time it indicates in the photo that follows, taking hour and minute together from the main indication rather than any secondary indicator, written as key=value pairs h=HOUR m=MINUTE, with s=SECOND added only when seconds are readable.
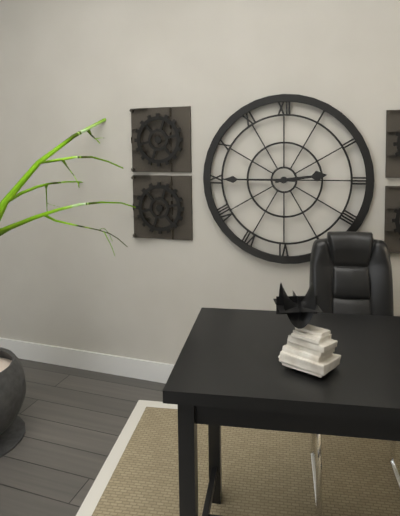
h=2 m=45
